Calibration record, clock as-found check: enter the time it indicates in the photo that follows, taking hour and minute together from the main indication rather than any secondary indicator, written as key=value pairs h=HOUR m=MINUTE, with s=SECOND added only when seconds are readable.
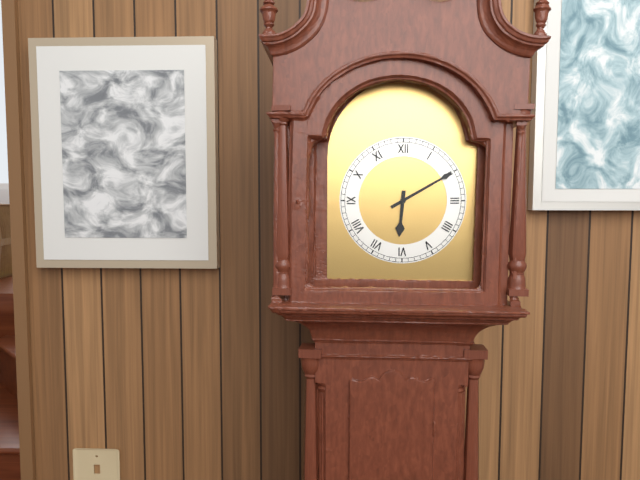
h=6 m=10
